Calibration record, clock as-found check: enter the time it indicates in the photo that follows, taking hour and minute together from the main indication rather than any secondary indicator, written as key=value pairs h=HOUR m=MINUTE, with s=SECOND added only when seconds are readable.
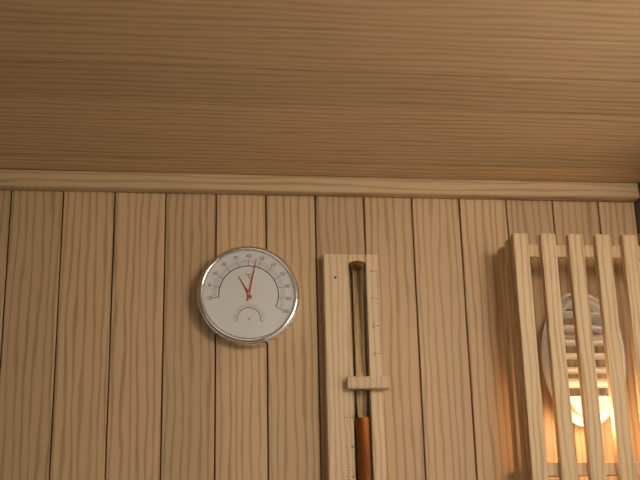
h=11 m=2
